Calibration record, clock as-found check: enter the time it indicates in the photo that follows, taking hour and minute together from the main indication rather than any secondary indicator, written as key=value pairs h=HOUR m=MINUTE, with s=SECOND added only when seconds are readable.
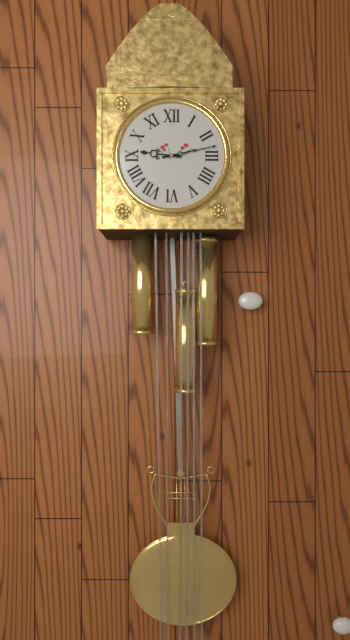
h=9 m=13
